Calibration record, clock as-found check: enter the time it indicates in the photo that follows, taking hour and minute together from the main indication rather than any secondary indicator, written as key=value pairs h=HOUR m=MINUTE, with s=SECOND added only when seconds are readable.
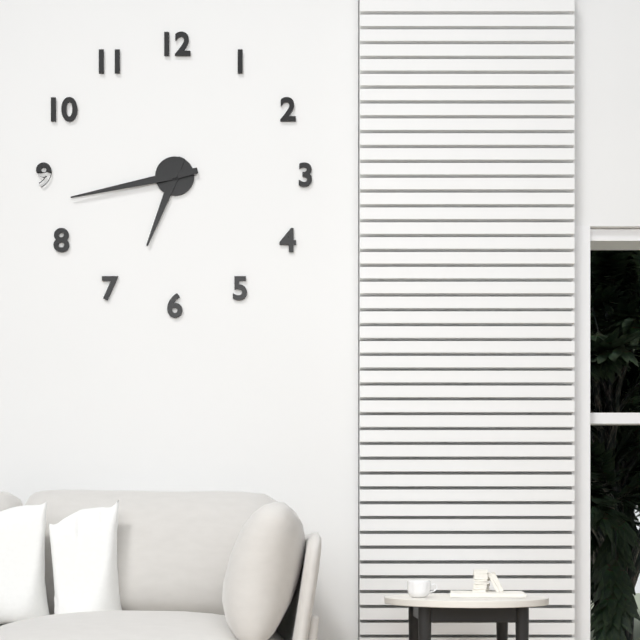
h=6 m=43
